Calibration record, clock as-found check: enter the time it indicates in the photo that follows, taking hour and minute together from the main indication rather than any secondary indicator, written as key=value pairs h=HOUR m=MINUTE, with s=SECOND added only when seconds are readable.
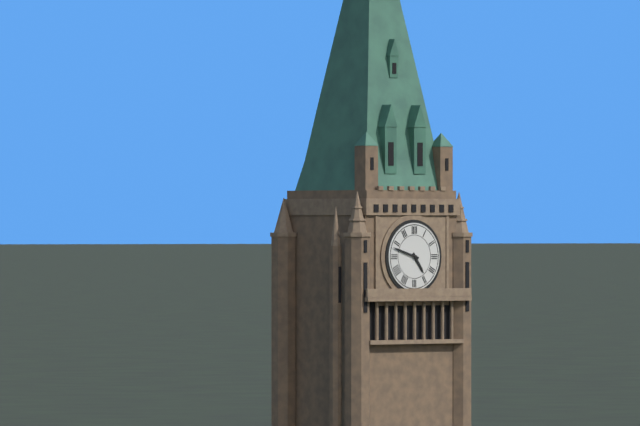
h=4 m=48
